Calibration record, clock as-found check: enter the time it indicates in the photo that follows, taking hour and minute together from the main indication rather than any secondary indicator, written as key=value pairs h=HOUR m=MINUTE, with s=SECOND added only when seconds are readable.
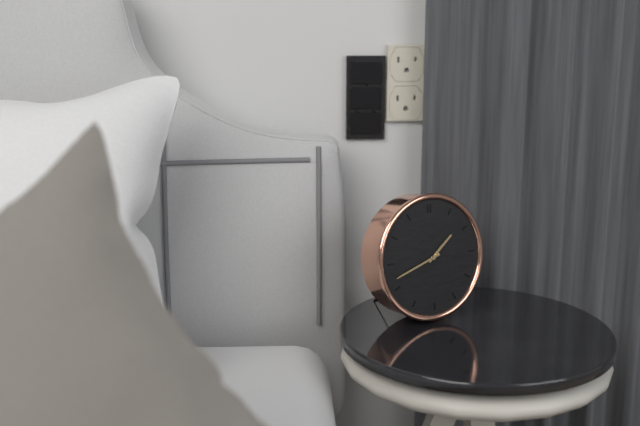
h=1 m=42
